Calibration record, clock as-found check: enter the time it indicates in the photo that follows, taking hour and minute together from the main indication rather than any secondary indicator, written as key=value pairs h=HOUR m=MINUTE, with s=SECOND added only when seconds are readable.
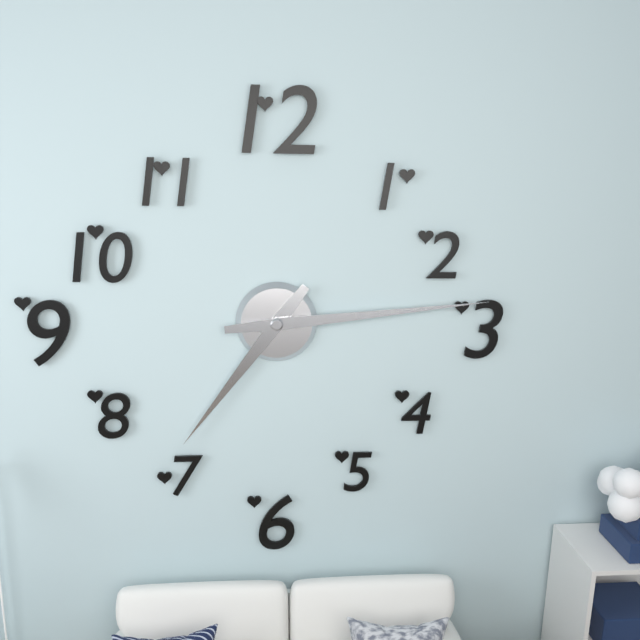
h=7 m=14
